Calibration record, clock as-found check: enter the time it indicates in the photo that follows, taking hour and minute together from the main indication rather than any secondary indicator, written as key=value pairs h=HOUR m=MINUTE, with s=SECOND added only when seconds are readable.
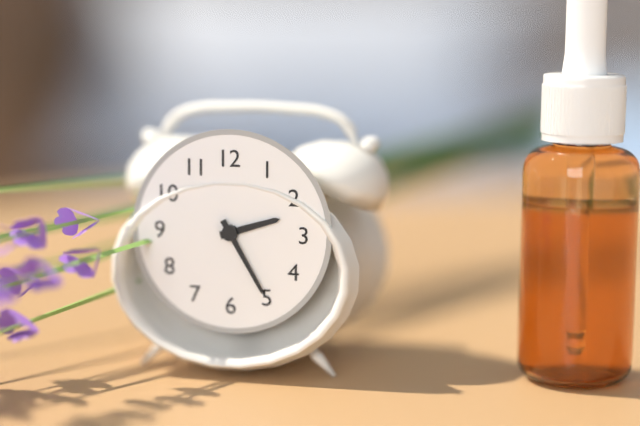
h=2 m=25
